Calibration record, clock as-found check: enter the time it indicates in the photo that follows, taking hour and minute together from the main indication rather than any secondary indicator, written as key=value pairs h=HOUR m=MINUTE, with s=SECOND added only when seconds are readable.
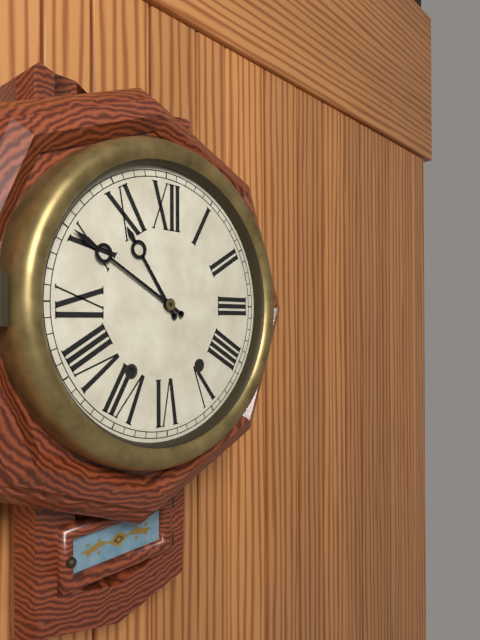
h=10 m=50
